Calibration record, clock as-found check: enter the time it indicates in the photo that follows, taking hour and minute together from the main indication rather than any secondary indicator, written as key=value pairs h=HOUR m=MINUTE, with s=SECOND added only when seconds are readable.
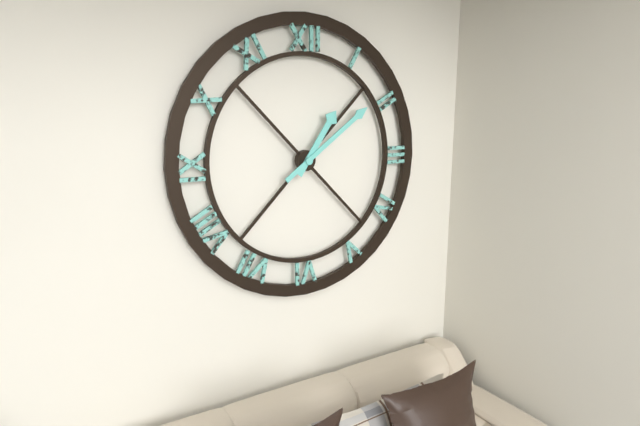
h=1 m=9
